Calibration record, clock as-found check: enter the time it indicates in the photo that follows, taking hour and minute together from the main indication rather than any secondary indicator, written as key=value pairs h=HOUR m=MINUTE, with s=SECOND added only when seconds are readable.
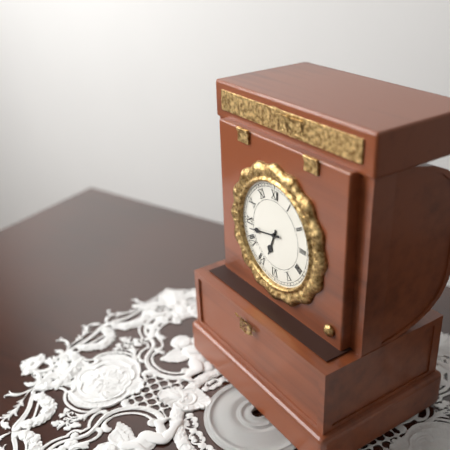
h=6 m=43
